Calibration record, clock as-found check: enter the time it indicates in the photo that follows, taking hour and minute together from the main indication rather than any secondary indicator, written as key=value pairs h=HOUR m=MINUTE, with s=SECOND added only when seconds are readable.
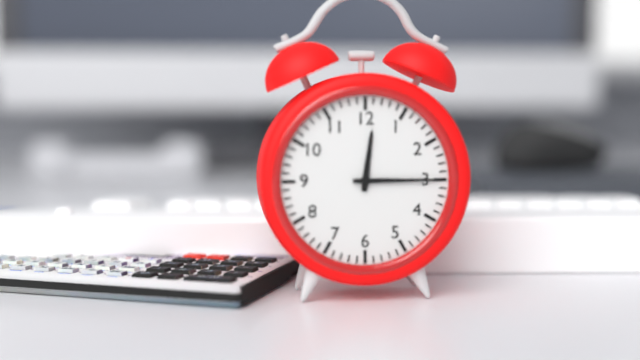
h=12 m=15
